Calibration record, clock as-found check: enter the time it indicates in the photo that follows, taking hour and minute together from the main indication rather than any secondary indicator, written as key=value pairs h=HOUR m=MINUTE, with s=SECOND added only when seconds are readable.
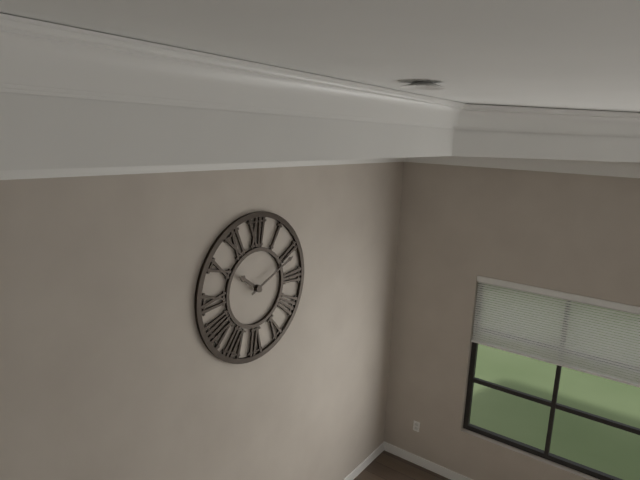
h=10 m=11
